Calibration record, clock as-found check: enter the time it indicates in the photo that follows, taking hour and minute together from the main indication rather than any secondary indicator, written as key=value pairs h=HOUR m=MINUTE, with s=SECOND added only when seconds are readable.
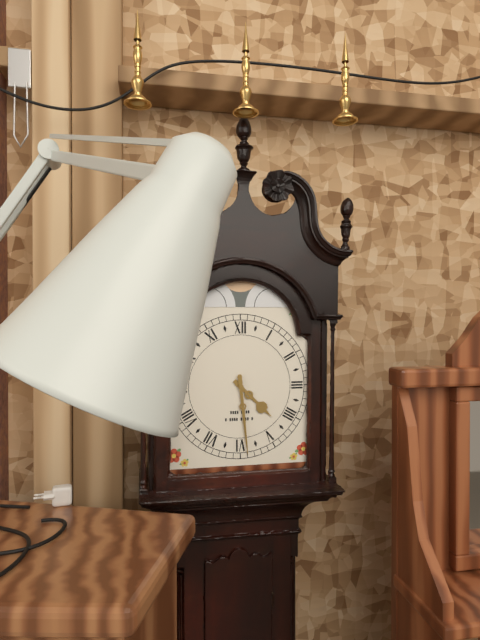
h=4 m=29
